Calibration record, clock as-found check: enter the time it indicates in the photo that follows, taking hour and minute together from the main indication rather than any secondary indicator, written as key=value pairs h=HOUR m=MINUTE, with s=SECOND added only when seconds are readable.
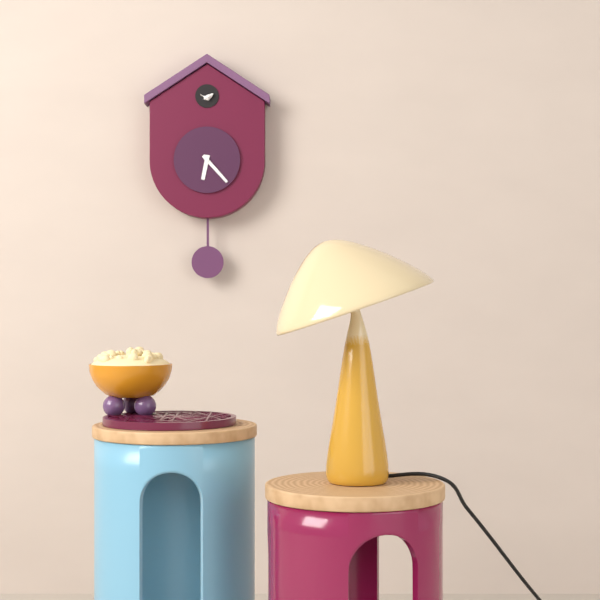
h=6 m=23
